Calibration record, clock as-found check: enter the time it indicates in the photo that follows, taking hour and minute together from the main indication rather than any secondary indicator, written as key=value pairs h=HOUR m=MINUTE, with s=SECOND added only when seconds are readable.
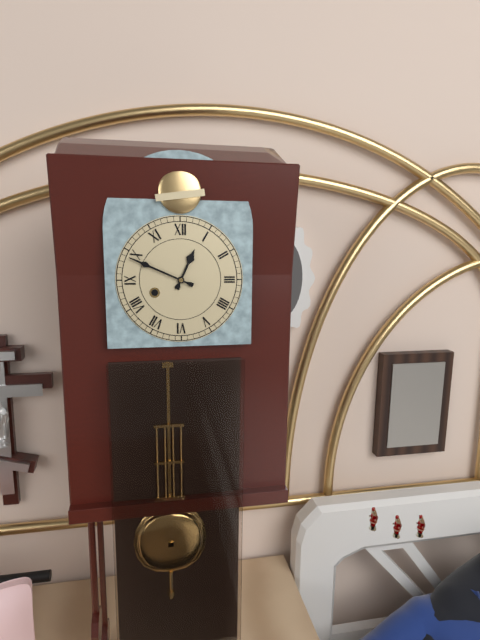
h=12 m=49
